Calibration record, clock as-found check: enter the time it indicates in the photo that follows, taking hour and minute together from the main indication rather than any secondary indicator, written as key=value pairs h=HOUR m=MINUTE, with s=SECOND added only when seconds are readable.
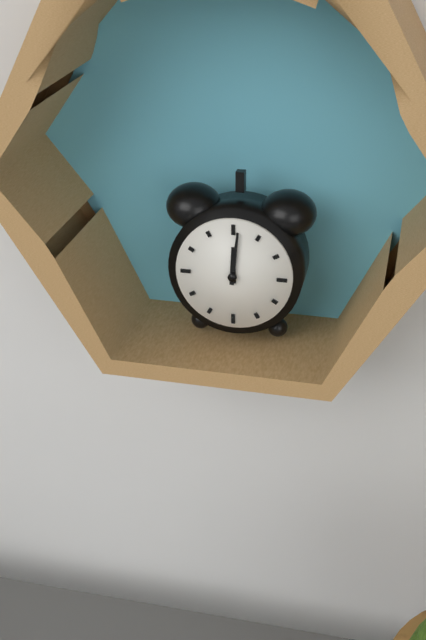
h=12 m=1
